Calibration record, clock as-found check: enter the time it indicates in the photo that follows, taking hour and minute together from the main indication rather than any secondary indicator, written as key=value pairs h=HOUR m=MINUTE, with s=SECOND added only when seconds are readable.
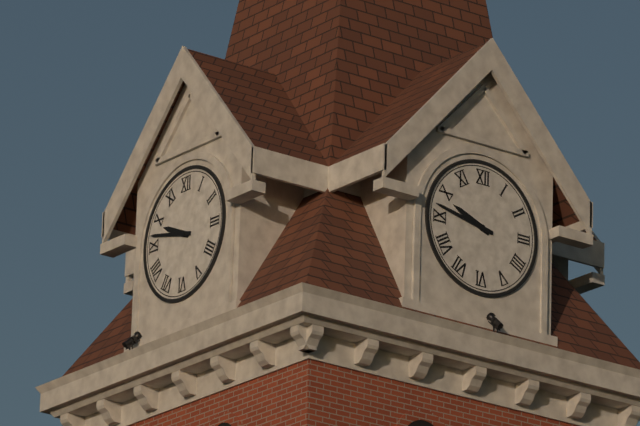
h=9 m=47
